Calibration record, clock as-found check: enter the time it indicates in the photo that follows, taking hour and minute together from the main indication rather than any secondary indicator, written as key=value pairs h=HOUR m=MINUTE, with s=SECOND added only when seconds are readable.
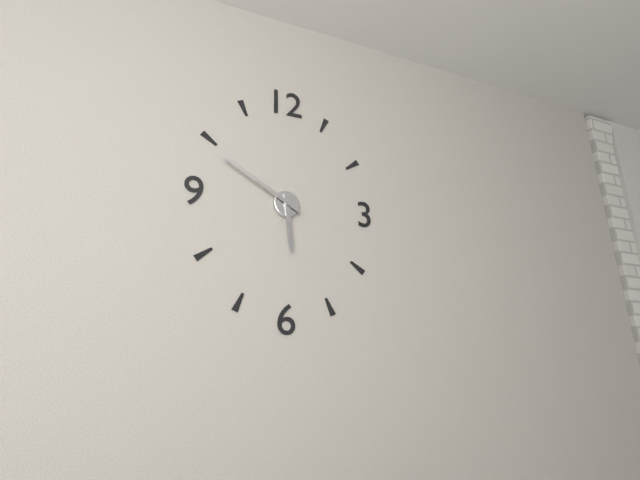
h=5 m=50
